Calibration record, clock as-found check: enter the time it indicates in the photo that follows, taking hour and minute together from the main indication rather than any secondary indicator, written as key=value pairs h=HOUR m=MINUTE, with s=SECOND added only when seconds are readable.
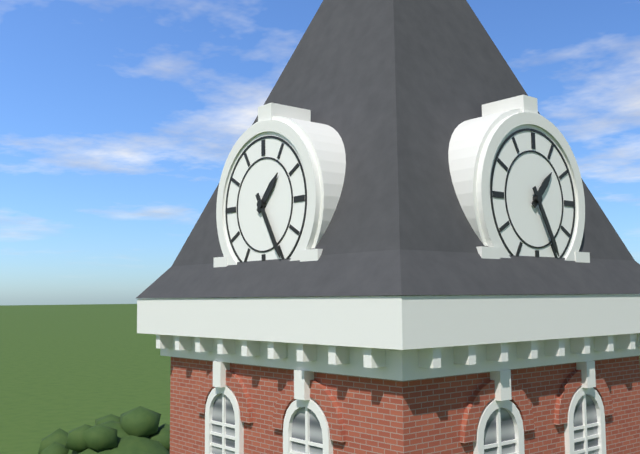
h=1 m=25
